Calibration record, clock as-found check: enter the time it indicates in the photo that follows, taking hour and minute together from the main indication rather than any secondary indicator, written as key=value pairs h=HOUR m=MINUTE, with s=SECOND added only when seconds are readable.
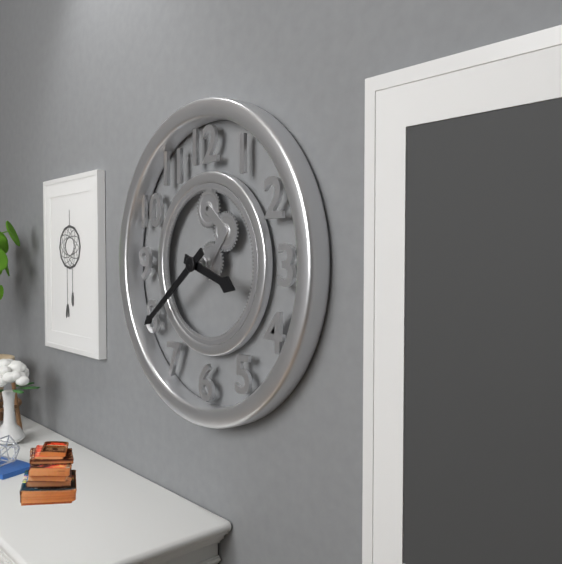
h=3 m=39
